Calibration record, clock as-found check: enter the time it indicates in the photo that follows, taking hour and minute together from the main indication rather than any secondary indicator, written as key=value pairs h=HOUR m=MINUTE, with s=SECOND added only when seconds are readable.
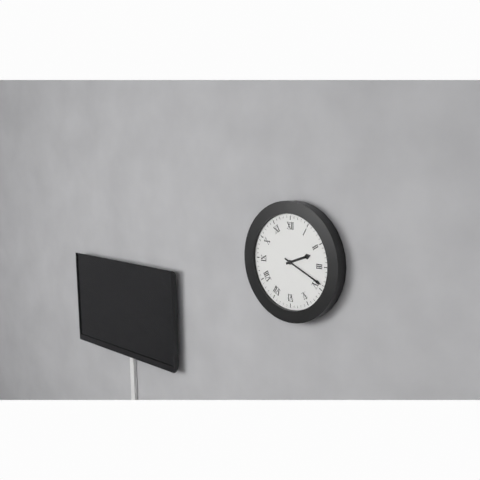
h=2 m=19
